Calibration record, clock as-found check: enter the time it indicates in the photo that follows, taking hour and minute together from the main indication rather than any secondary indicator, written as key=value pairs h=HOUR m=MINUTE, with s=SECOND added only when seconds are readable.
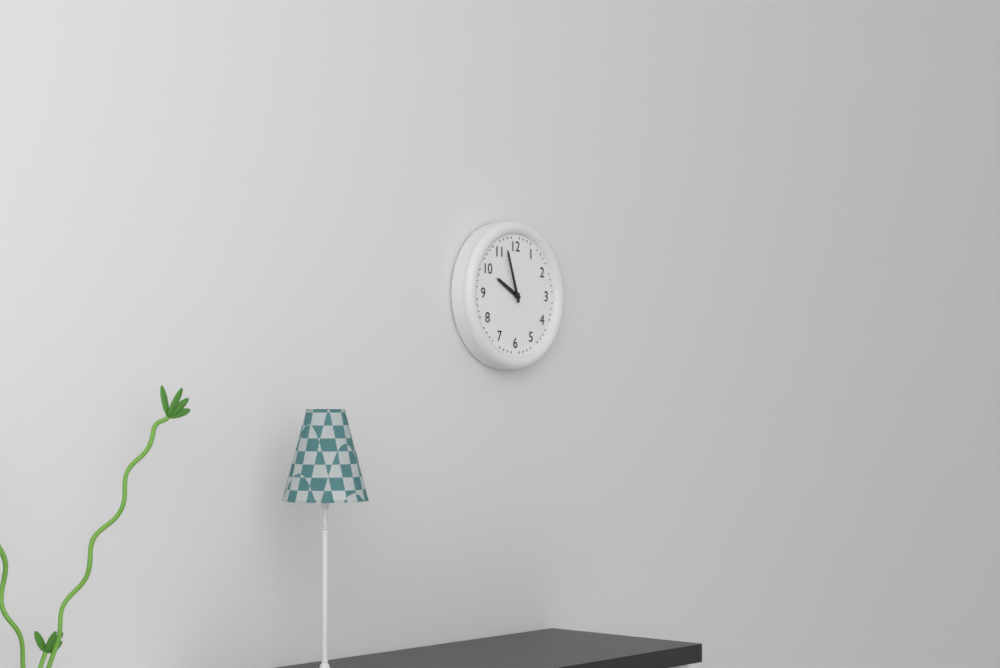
h=9 m=57
